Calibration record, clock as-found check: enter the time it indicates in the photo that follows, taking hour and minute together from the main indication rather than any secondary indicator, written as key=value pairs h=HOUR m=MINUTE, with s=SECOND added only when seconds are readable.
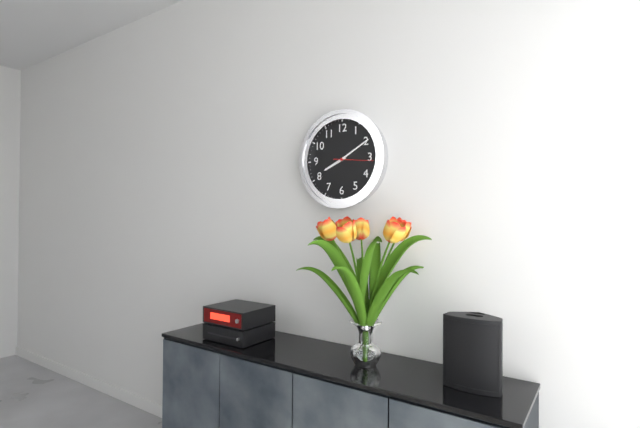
h=8 m=10
